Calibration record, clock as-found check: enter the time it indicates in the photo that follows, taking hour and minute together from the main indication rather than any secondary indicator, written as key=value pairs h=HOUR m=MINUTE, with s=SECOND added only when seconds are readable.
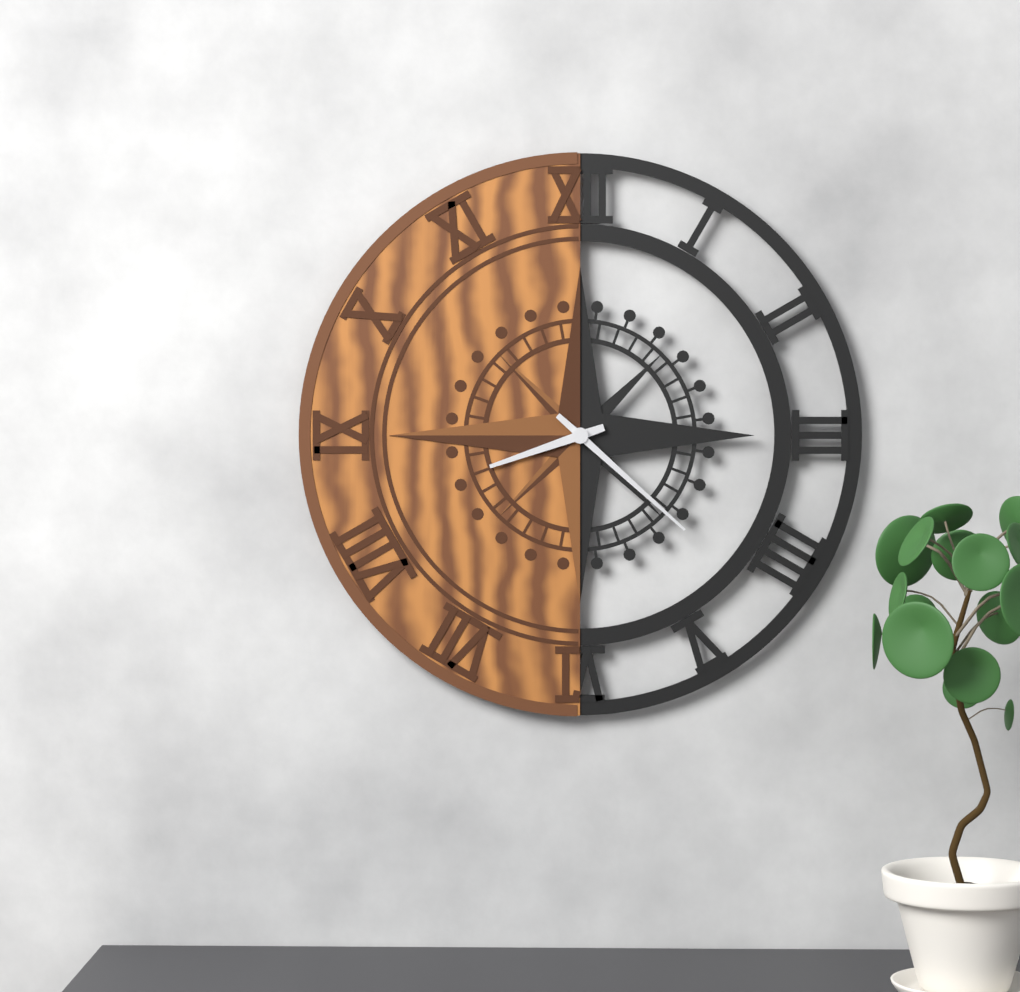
h=8 m=22
